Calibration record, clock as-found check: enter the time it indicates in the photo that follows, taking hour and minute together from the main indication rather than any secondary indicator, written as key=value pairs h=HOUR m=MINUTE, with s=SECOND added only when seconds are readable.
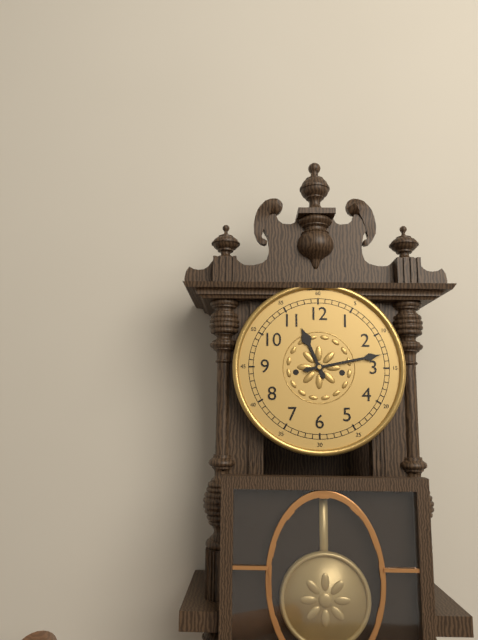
h=11 m=13
